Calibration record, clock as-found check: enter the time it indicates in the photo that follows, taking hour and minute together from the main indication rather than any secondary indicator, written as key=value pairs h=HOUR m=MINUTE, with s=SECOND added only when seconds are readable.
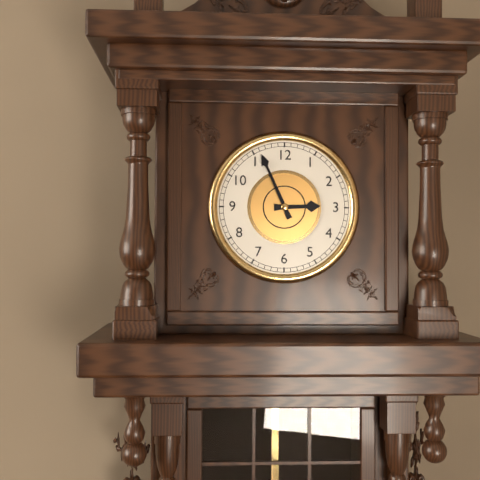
h=2 m=56
